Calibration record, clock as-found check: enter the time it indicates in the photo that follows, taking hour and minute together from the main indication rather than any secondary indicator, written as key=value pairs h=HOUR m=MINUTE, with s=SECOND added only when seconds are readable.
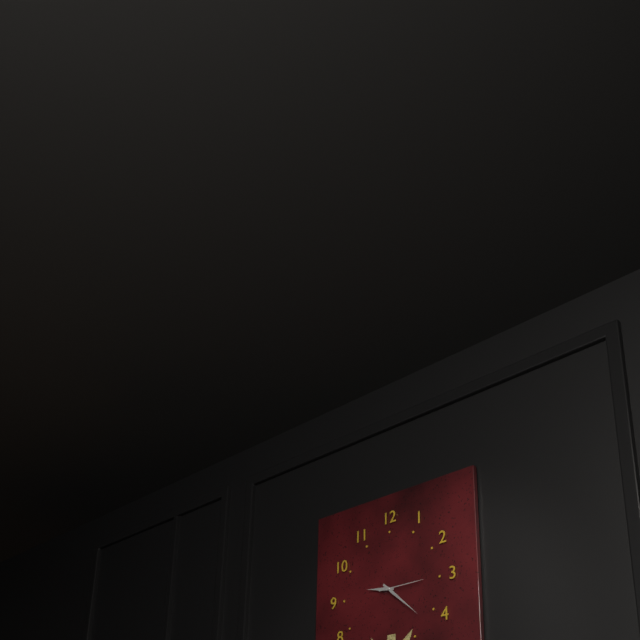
h=9 m=22
